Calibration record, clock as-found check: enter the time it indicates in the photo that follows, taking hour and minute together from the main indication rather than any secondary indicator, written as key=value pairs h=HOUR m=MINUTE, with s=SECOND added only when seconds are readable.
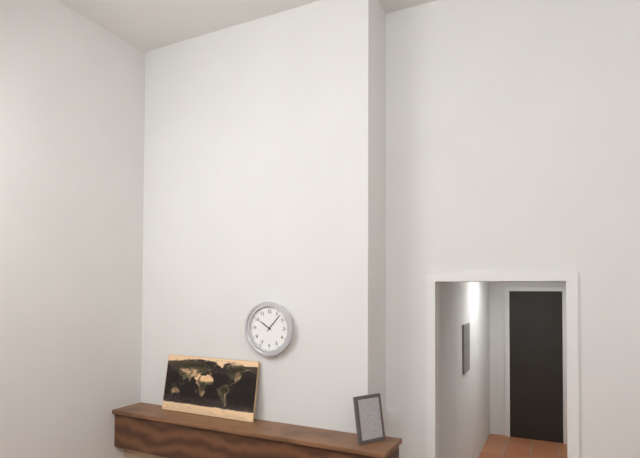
h=10 m=7
